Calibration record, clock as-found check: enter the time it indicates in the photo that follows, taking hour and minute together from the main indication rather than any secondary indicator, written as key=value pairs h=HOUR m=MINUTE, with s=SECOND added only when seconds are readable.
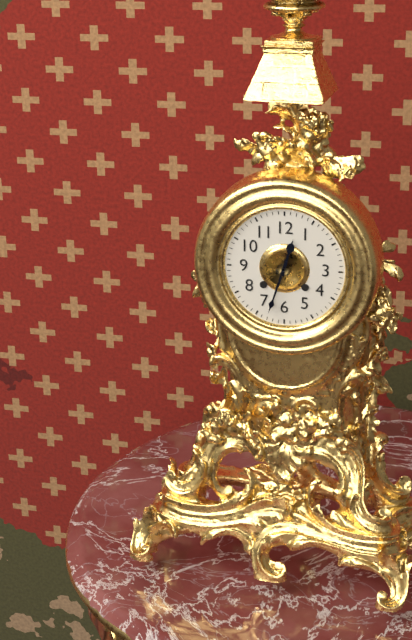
h=12 m=33
